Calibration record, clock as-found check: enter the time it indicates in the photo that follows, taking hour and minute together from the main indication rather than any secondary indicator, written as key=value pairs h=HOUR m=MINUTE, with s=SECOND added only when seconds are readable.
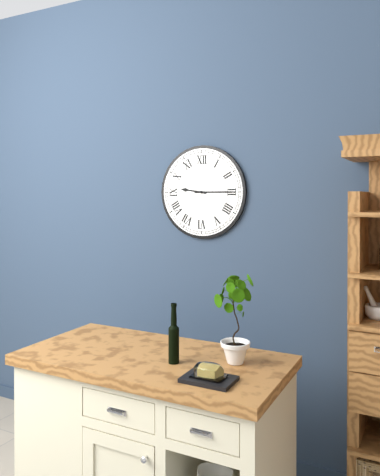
h=9 m=15
